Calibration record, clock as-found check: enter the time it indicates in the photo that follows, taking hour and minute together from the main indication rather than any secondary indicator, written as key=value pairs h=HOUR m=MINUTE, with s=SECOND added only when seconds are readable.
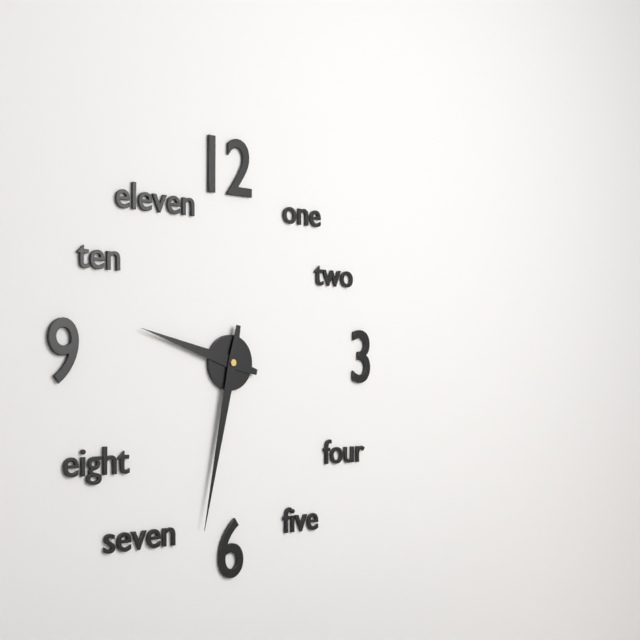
h=9 m=32
